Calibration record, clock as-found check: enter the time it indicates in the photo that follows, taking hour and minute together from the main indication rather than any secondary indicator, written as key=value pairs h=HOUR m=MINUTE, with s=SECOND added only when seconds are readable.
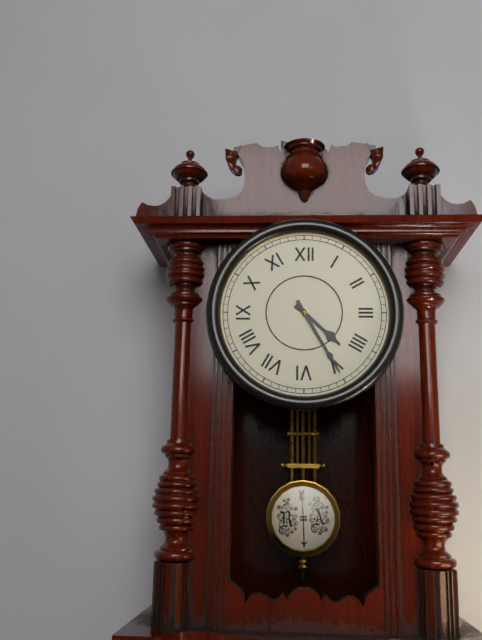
h=4 m=25
